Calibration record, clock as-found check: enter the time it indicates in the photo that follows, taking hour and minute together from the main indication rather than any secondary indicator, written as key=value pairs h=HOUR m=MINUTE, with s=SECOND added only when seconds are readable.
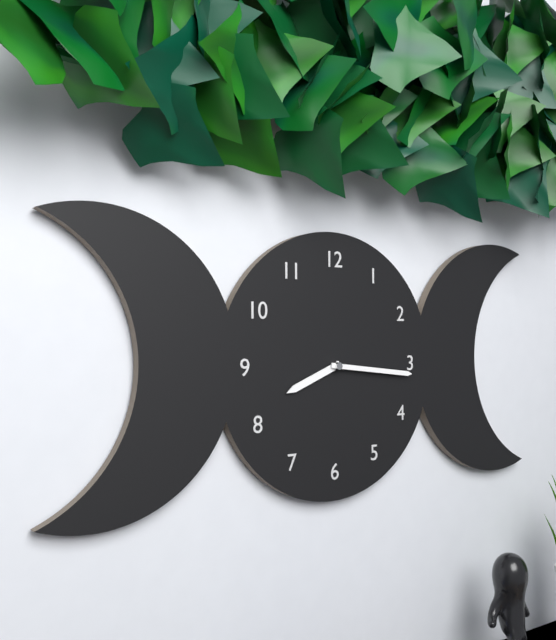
h=8 m=16
